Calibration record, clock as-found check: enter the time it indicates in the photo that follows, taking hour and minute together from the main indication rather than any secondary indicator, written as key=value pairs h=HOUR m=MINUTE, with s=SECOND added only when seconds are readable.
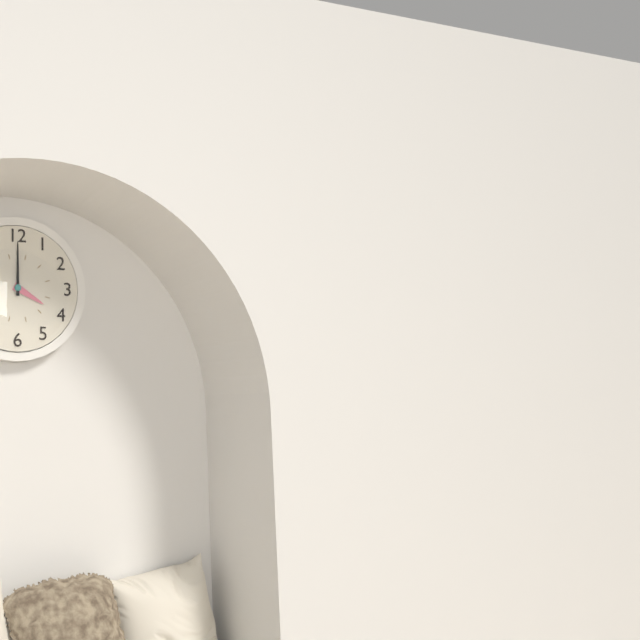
h=4 m=0
